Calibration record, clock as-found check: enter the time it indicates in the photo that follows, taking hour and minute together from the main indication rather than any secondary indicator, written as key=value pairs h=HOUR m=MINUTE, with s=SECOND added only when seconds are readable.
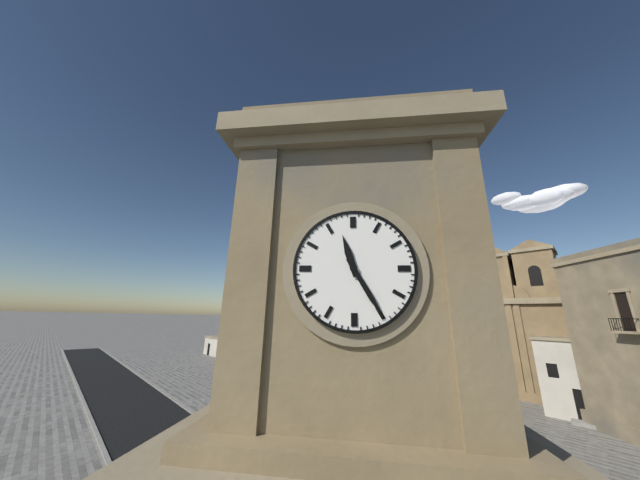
h=11 m=25
